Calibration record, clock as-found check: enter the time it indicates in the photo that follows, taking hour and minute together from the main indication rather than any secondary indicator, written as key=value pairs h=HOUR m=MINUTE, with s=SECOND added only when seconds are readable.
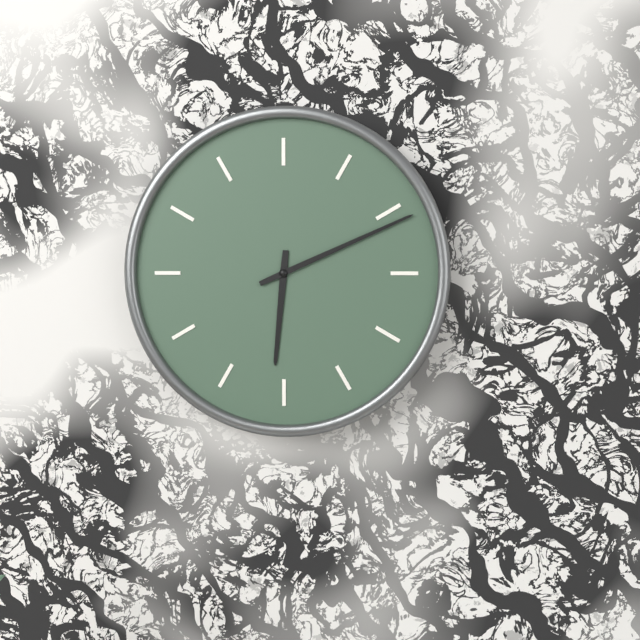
h=6 m=11
